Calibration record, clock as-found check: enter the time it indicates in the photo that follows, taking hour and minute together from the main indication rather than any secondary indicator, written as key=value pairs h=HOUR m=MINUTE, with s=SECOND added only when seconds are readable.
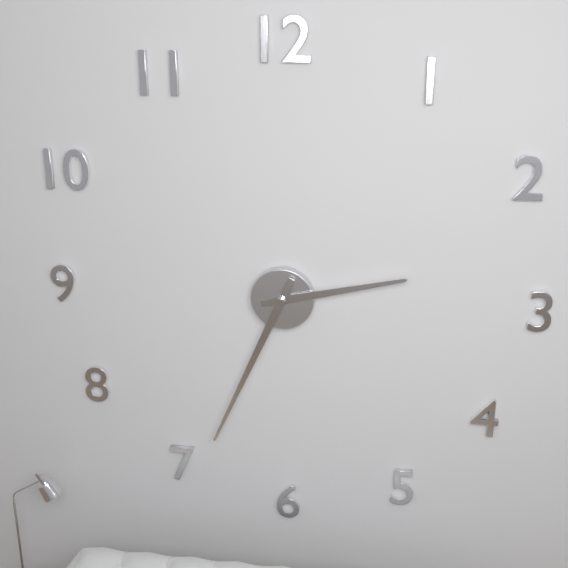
h=2 m=34
